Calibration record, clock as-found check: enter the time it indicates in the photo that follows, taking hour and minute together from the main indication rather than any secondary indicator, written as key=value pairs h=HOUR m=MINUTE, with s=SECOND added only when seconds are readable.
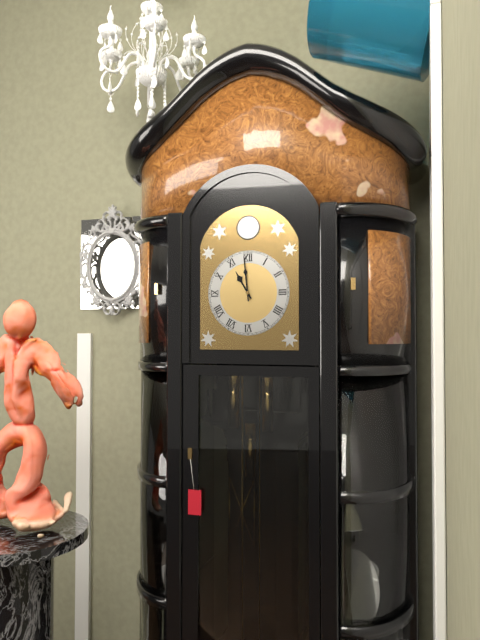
h=10 m=59
